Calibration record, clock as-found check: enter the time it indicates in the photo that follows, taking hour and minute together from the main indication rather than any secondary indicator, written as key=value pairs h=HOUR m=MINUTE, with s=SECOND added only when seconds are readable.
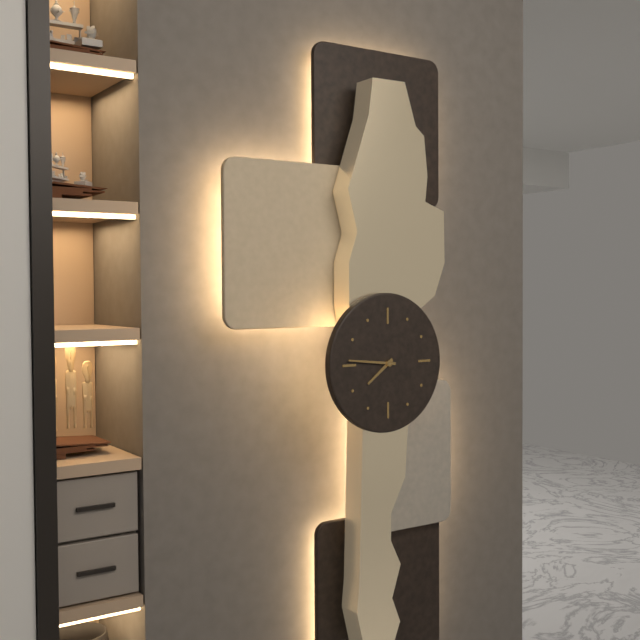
h=7 m=46
